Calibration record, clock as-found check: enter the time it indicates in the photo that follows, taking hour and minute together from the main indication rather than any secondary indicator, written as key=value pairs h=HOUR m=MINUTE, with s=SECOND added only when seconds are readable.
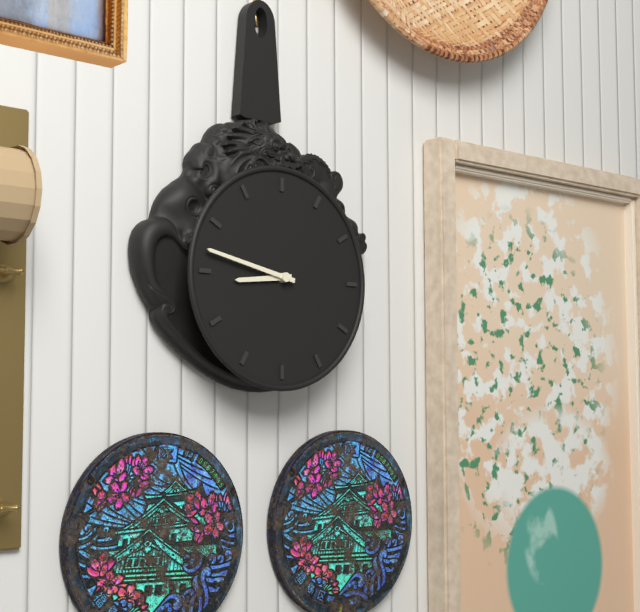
h=8 m=47
